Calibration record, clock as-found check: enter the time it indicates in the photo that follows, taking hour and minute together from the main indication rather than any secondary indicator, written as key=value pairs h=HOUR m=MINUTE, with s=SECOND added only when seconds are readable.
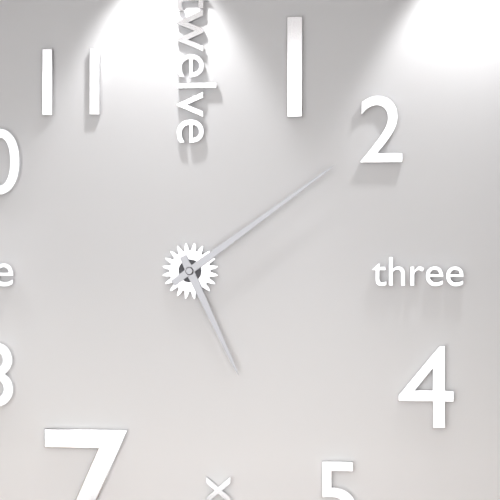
h=5 m=9
